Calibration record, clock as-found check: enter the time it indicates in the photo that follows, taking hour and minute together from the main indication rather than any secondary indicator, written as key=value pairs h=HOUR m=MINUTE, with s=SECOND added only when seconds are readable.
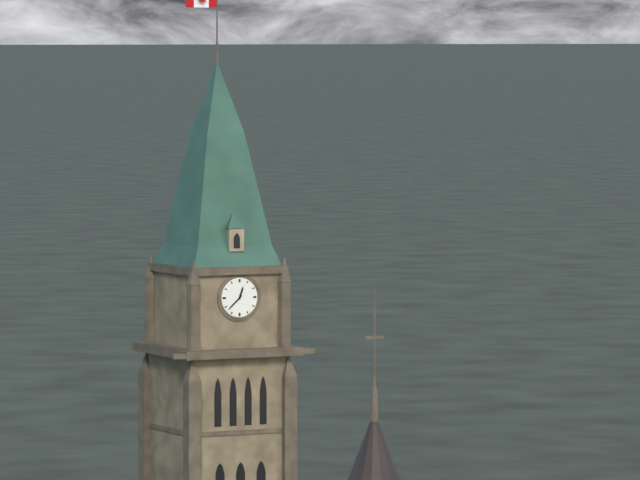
h=12 m=38
